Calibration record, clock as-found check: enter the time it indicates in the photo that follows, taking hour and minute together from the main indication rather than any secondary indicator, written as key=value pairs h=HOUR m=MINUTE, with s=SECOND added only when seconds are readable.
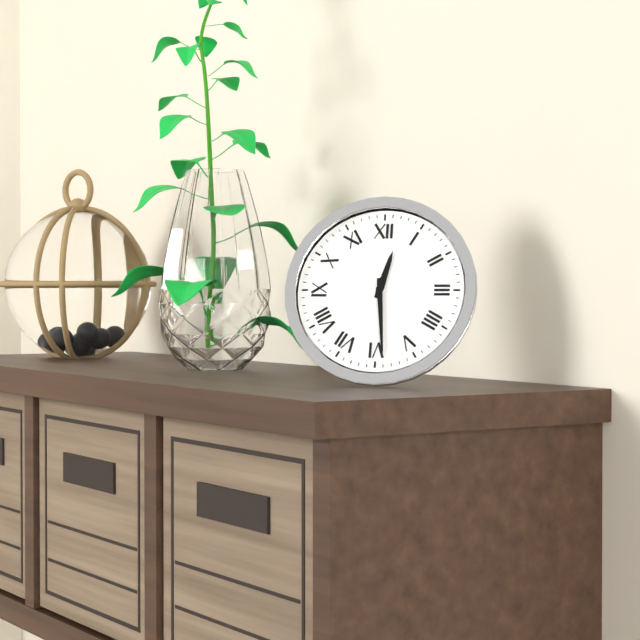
h=12 m=29
